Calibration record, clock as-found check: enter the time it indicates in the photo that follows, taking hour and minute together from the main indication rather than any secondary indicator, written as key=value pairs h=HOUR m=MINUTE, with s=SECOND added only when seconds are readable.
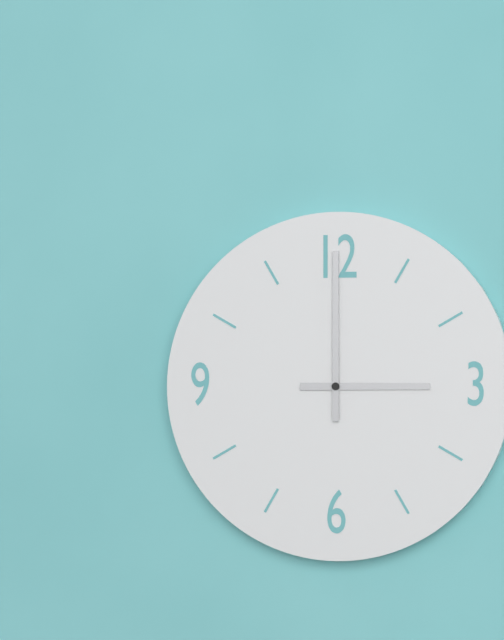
h=3 m=0
